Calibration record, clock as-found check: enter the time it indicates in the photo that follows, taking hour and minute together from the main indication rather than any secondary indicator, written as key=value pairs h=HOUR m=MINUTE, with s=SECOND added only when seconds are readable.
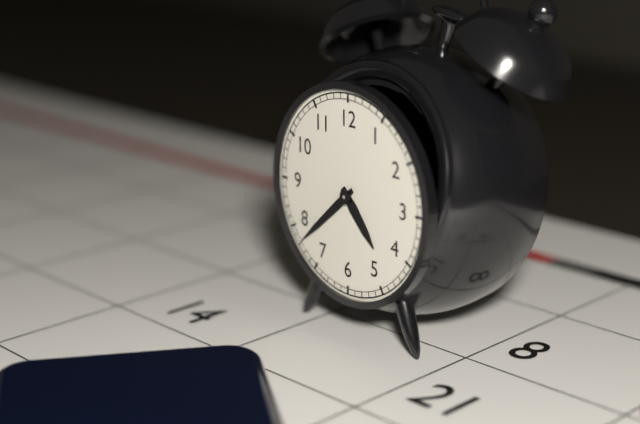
h=4 m=38
